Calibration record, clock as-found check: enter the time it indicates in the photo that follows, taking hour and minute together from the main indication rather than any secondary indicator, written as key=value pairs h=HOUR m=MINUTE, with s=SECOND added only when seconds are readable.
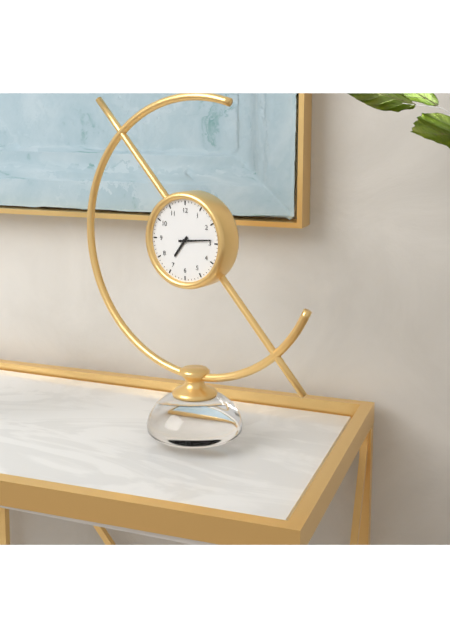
h=7 m=14
